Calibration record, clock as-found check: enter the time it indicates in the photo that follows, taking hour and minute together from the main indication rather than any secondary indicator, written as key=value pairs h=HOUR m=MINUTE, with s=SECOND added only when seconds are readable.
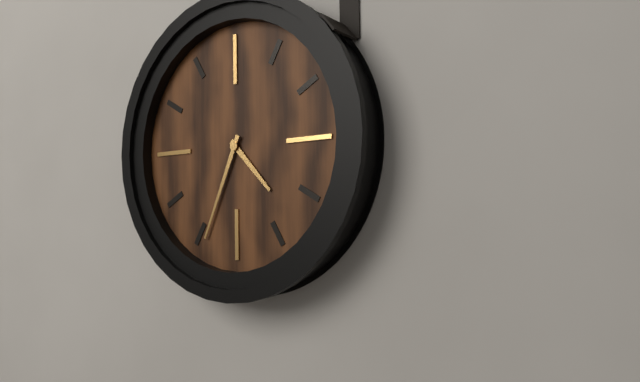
h=4 m=34
